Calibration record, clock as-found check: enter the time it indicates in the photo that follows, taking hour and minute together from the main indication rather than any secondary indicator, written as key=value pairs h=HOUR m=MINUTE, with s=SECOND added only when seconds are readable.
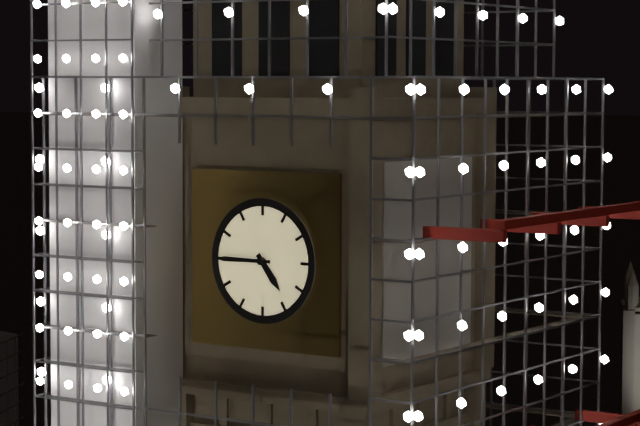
h=4 m=45
